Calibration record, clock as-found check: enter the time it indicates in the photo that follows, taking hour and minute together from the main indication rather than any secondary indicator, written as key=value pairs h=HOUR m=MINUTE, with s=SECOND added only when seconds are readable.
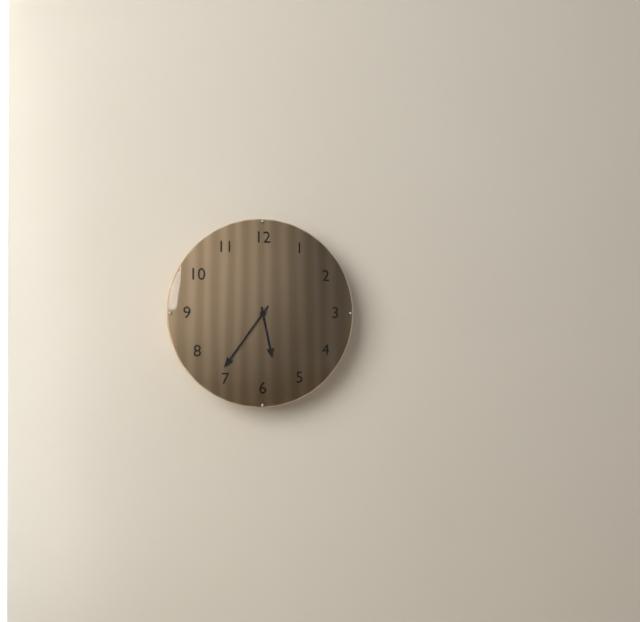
h=5 m=36
